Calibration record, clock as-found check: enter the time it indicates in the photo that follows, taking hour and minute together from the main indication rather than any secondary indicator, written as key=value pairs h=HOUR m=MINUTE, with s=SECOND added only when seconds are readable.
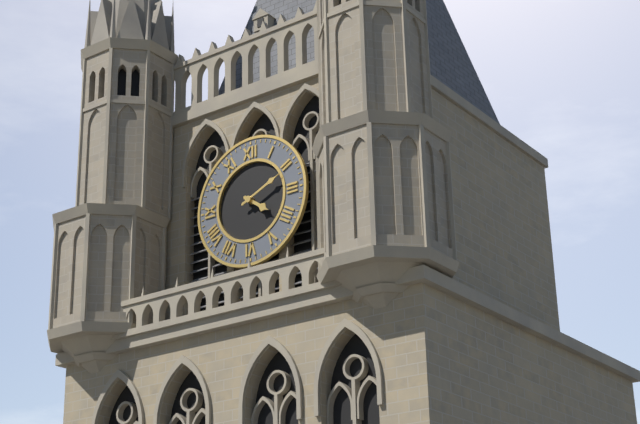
h=4 m=11
